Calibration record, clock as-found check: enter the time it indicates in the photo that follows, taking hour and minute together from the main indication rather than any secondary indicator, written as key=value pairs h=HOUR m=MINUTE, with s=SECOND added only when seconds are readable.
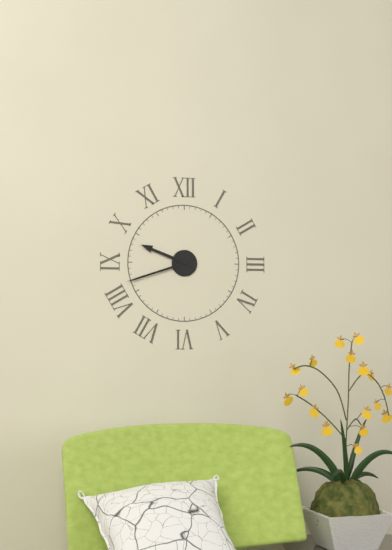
h=9 m=42
